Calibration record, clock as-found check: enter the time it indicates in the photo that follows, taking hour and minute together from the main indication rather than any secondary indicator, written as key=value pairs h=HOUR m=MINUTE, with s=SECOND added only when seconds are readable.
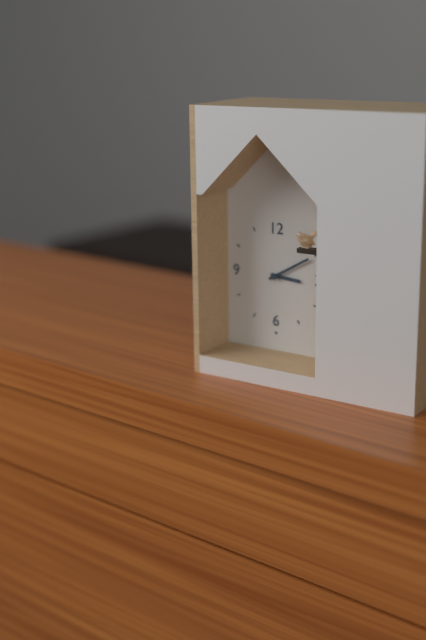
h=3 m=10
